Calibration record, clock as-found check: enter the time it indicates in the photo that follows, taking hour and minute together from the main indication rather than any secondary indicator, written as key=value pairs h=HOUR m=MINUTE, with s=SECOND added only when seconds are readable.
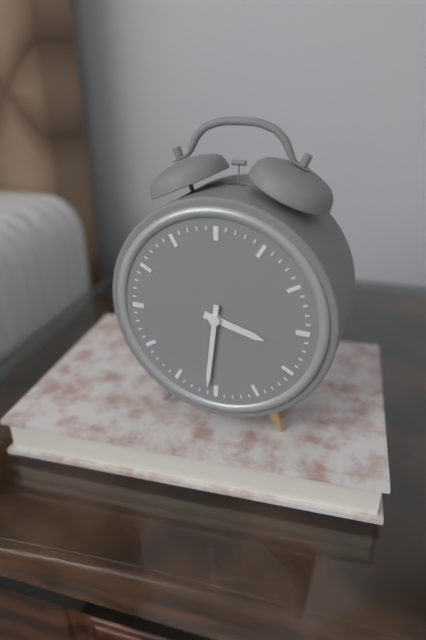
h=3 m=31
